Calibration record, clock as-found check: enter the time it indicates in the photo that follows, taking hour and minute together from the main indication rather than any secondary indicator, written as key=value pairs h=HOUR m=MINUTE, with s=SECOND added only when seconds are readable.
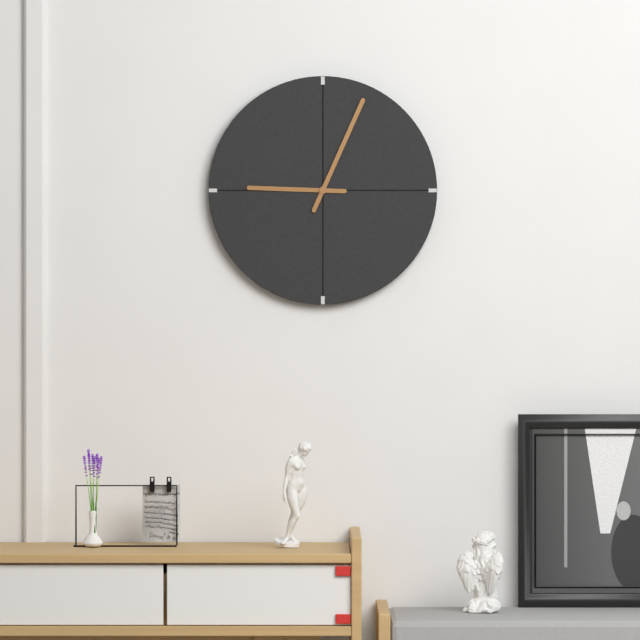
h=9 m=4
